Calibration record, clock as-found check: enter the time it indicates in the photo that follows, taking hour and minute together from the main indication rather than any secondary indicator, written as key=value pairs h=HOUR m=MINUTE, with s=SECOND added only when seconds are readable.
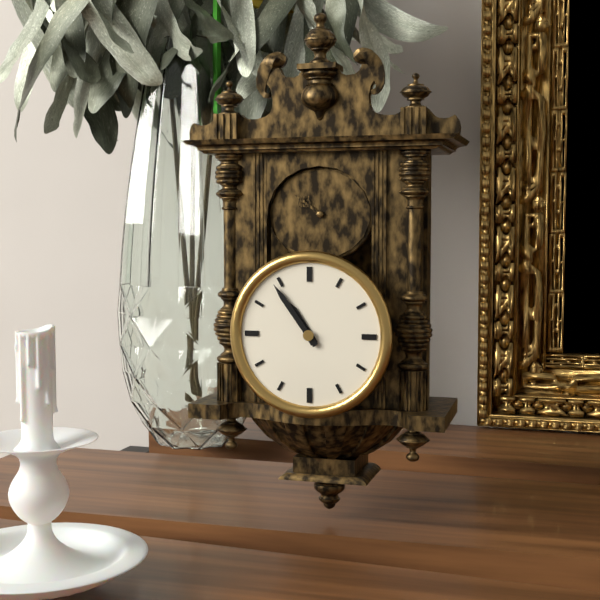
h=10 m=54
